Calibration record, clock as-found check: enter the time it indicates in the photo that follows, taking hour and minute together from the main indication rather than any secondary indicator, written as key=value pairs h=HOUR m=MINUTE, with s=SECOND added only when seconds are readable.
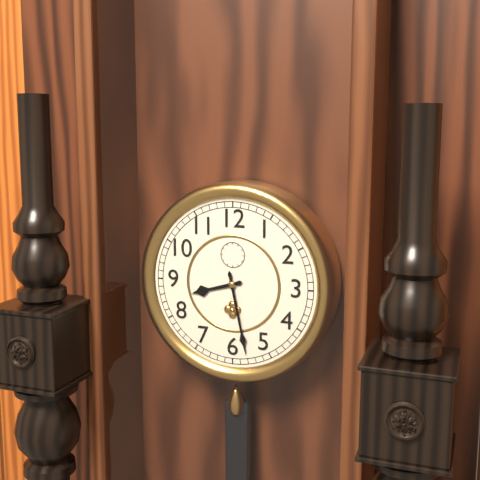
h=8 m=28
